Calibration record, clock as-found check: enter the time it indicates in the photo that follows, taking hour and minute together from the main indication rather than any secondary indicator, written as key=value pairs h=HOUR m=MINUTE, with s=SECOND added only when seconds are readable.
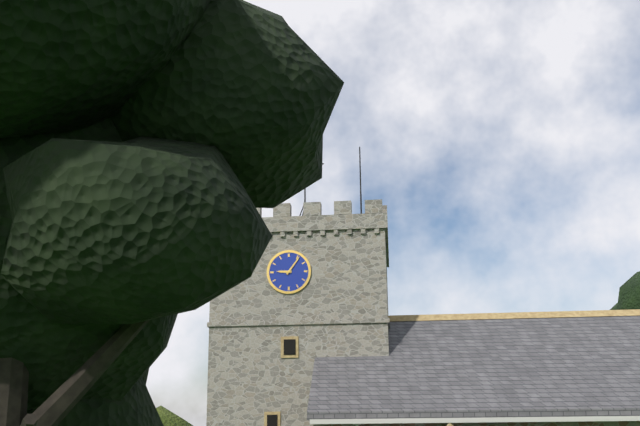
h=9 m=6
